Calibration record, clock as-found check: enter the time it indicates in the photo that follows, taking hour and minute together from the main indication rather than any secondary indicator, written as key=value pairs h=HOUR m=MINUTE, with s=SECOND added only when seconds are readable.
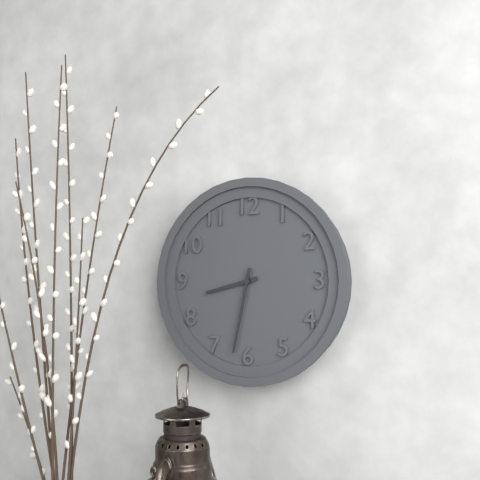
h=8 m=32
